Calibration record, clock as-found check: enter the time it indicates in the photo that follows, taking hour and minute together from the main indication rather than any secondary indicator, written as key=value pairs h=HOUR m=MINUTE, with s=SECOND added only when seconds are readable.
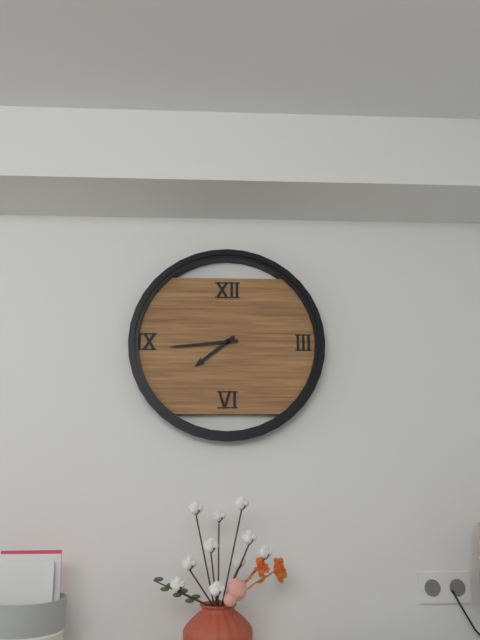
h=7 m=44
